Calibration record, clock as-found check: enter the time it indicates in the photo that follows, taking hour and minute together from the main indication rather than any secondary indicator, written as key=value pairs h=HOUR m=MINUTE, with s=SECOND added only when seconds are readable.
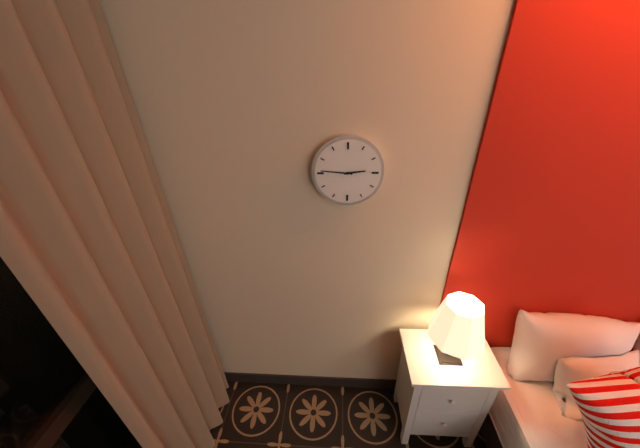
h=2 m=46
